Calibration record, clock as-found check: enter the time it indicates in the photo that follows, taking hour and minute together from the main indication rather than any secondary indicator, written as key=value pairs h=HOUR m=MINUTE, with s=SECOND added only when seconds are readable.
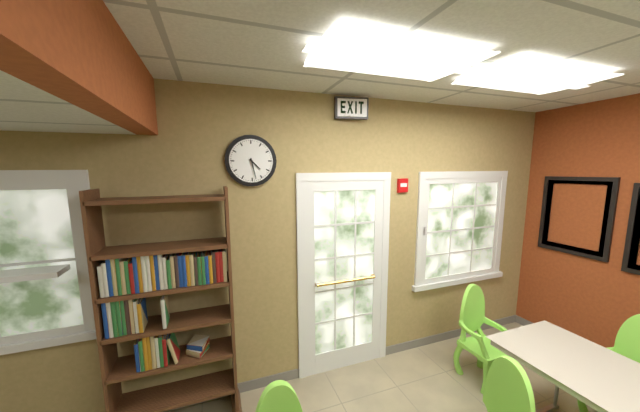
h=4 m=28
